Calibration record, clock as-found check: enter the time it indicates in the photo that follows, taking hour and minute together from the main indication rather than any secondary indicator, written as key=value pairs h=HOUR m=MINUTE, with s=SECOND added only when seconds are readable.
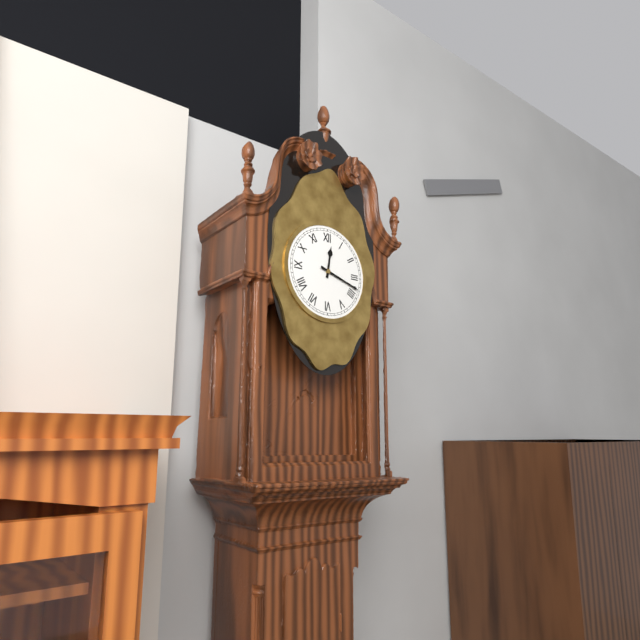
h=12 m=18
